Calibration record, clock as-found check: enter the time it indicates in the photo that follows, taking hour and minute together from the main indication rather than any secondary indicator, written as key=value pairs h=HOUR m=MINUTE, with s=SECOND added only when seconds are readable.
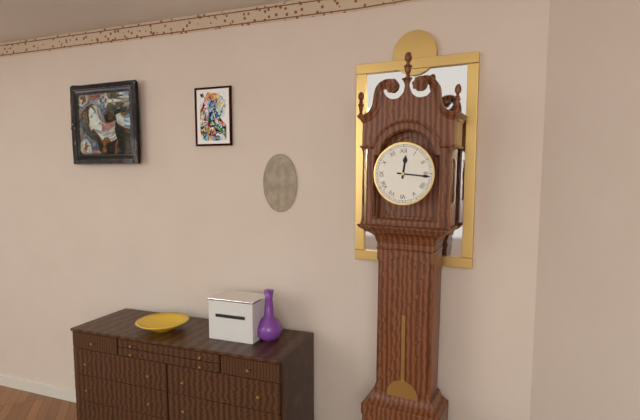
h=12 m=16
